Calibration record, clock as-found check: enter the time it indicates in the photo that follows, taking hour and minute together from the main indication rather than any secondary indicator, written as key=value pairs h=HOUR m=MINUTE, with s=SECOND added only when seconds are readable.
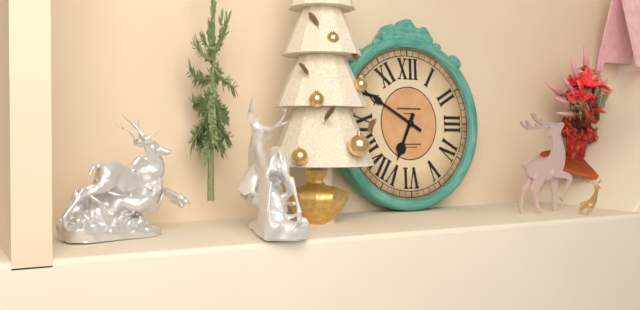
h=6 m=50
